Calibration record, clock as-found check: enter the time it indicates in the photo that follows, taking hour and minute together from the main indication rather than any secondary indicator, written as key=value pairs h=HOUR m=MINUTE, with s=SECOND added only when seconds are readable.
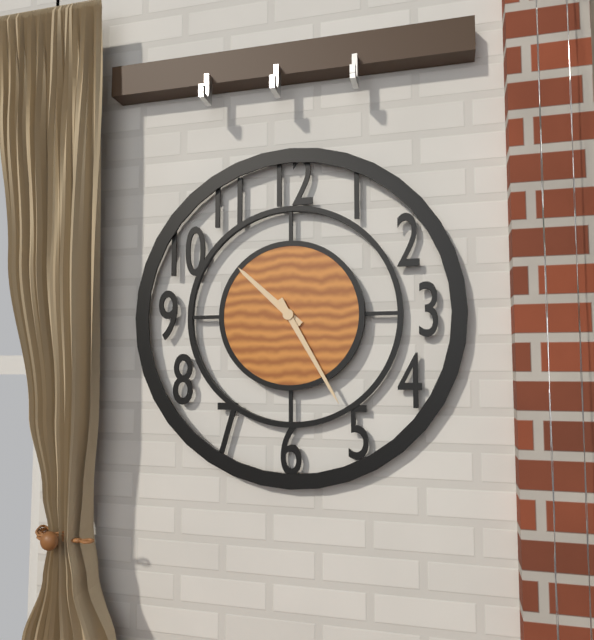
h=10 m=25
